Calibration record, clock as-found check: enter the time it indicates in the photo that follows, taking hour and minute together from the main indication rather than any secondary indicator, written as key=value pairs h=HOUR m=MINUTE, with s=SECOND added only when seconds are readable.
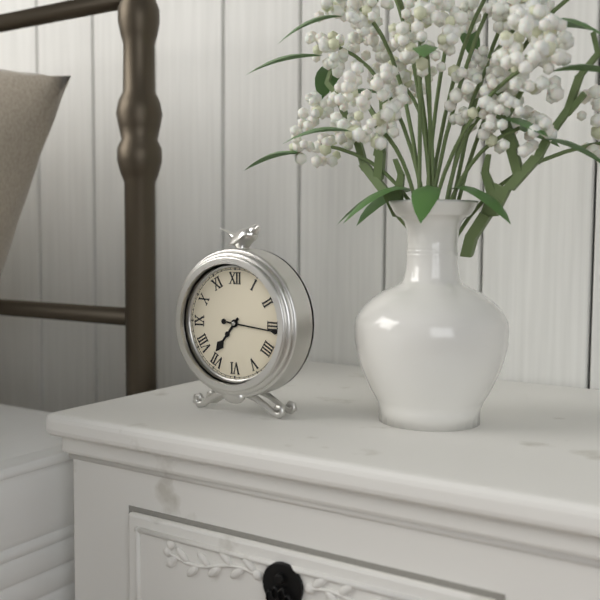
h=7 m=16
